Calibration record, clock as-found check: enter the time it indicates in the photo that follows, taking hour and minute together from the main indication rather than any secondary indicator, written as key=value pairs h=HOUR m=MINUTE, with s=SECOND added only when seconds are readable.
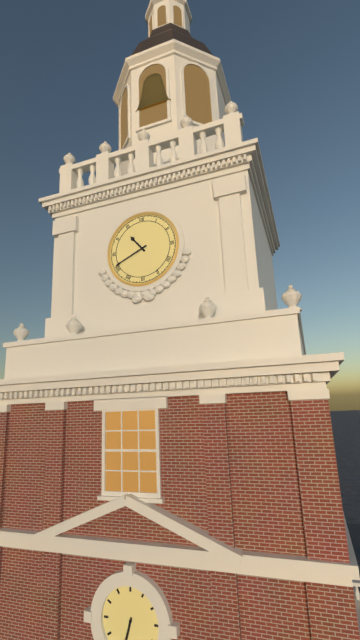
h=10 m=41
